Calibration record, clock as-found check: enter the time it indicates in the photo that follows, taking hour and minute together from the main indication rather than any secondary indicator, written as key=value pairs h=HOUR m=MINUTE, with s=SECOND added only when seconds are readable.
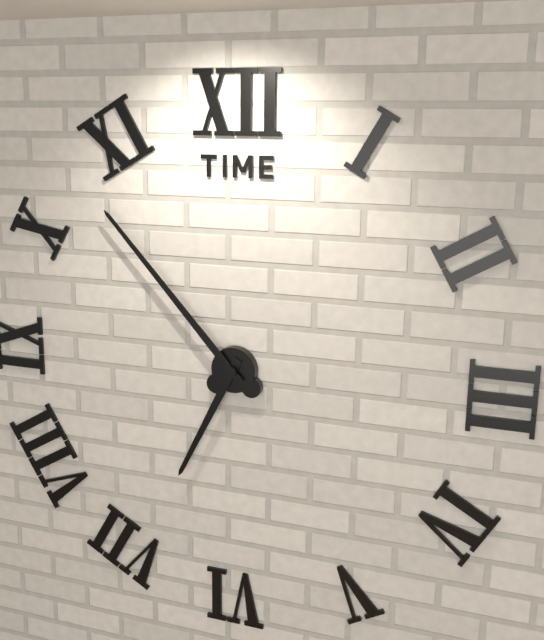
h=6 m=53
